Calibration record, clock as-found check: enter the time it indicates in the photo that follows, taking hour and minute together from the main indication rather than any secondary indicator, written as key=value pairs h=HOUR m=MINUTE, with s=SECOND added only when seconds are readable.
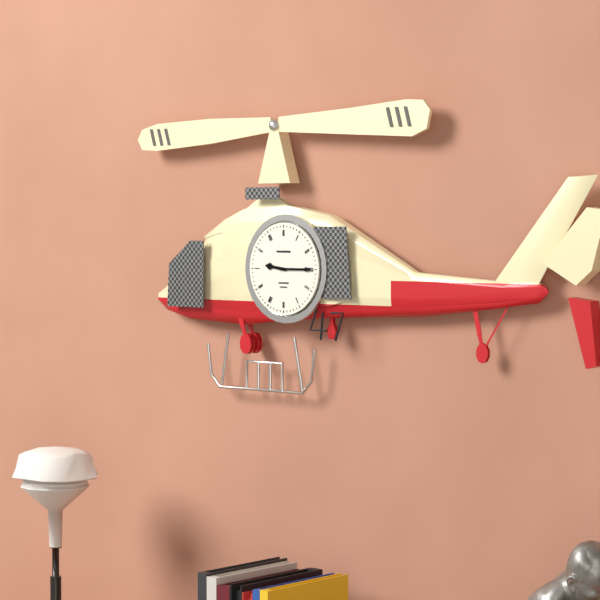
h=9 m=15
